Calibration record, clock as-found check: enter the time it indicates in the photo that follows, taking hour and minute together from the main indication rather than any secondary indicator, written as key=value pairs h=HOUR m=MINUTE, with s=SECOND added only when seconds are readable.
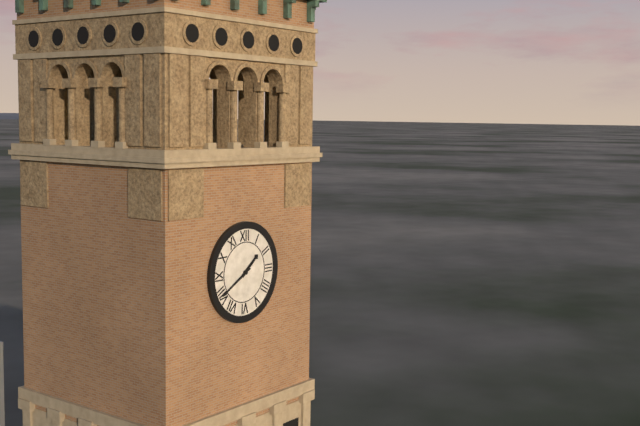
h=1 m=40
